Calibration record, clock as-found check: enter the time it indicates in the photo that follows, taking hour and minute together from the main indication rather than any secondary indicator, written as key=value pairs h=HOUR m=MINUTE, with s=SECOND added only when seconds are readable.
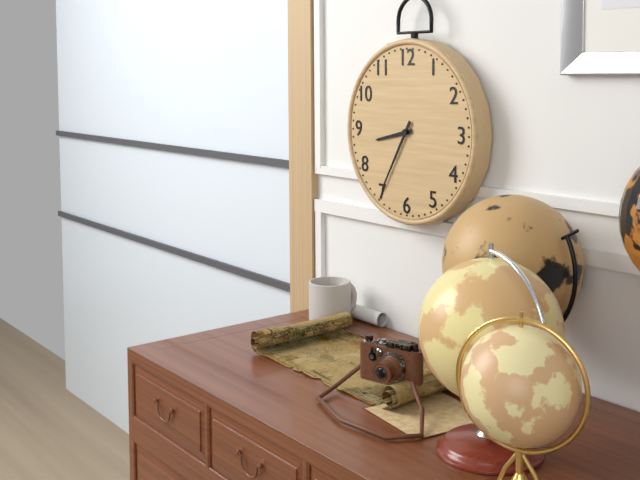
h=8 m=35
